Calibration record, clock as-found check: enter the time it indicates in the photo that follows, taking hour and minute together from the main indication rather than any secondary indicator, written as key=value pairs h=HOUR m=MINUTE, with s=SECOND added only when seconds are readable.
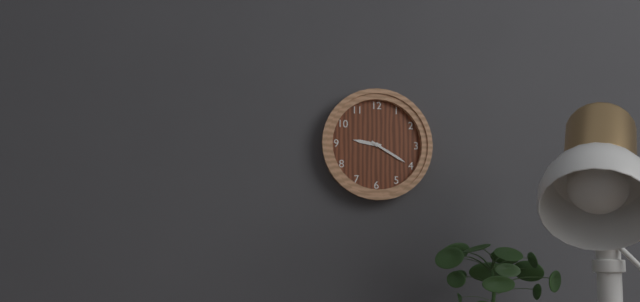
h=9 m=20
